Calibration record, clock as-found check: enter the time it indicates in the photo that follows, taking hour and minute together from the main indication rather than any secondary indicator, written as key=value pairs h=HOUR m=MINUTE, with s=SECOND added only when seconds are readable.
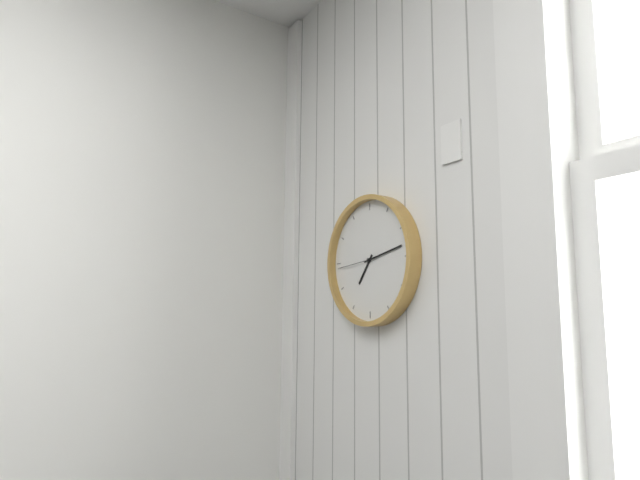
h=7 m=13
